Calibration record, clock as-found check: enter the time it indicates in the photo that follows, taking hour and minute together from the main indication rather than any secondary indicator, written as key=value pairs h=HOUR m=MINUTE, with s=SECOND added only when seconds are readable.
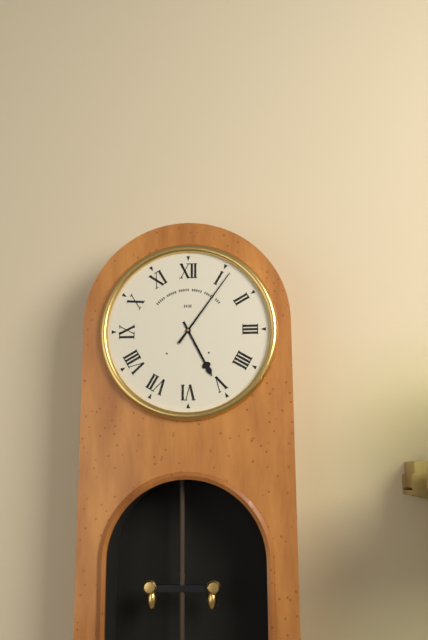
h=5 m=6
